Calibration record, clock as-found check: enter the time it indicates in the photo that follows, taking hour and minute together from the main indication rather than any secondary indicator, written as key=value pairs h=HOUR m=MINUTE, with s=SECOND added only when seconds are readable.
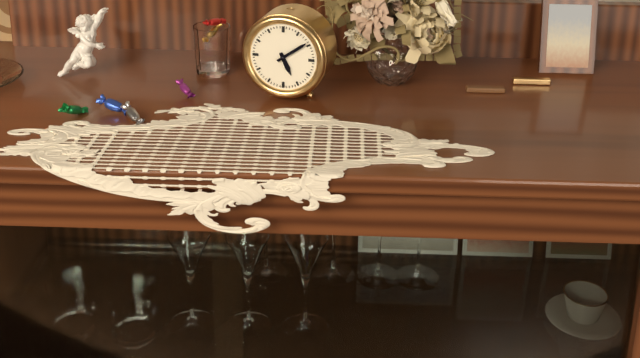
h=5 m=9
